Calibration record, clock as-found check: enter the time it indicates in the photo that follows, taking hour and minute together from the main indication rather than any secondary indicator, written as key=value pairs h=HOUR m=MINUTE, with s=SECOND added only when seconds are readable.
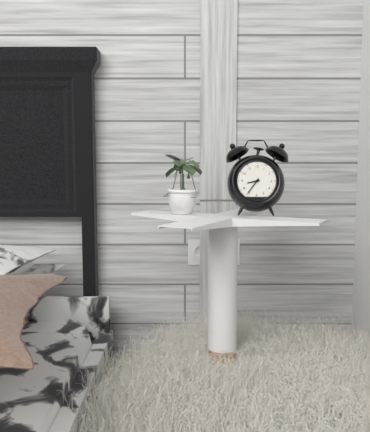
h=8 m=36
